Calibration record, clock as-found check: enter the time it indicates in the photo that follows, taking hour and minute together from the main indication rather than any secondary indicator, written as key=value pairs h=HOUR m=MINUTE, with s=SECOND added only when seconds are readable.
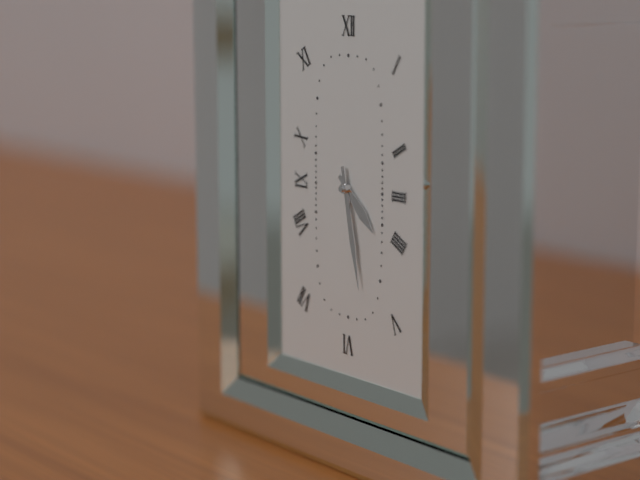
h=4 m=28
